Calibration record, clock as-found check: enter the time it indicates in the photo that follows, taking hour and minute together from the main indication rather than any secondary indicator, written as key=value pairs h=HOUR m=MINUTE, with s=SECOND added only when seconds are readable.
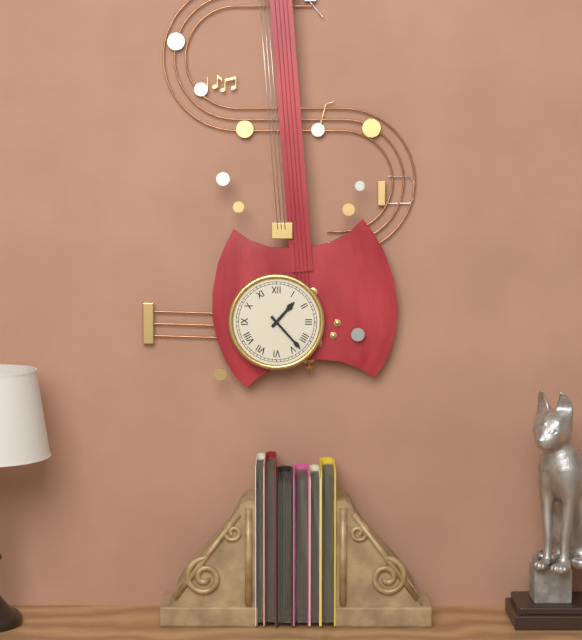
h=1 m=23
